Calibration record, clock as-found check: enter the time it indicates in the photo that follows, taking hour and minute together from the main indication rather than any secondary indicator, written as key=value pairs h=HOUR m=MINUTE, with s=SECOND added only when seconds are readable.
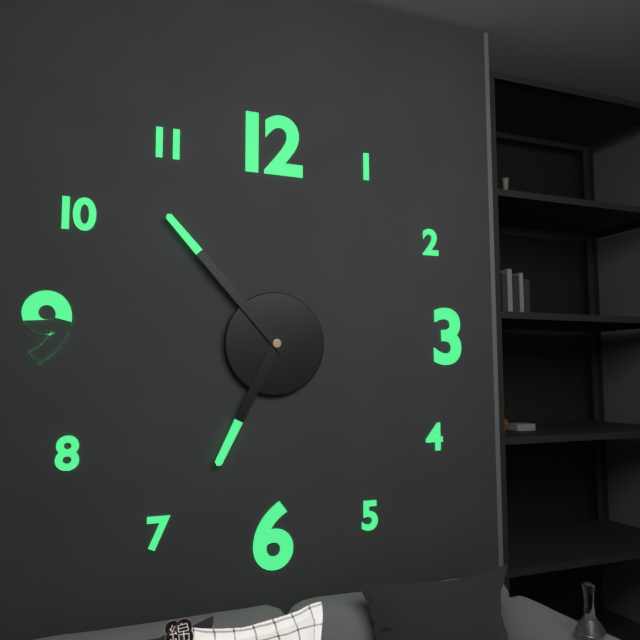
h=6 m=53
